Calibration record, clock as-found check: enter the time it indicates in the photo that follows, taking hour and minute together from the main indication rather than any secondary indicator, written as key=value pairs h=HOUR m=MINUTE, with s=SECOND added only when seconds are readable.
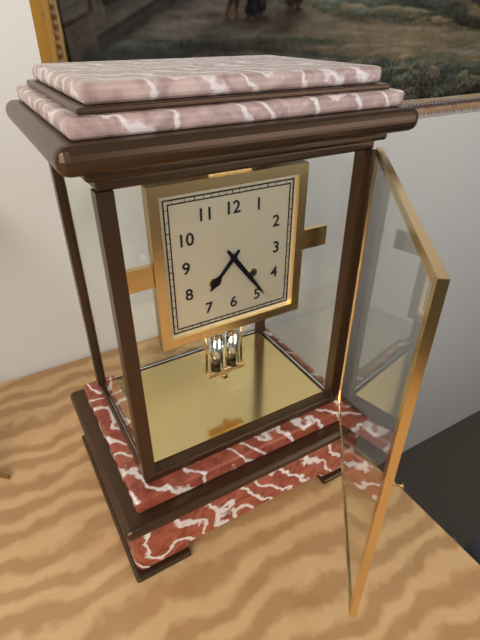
h=7 m=24
